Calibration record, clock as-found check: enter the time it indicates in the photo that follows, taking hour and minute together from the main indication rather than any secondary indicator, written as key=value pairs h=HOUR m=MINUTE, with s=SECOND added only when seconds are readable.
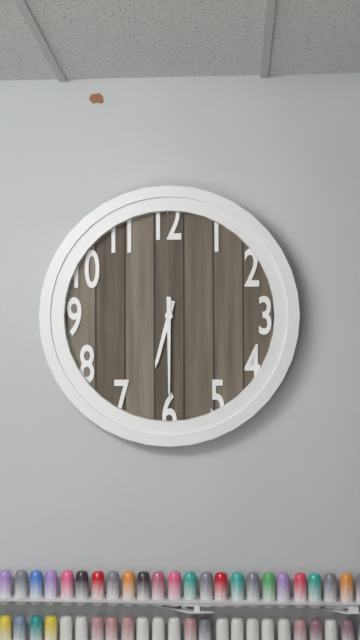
h=6 m=30
